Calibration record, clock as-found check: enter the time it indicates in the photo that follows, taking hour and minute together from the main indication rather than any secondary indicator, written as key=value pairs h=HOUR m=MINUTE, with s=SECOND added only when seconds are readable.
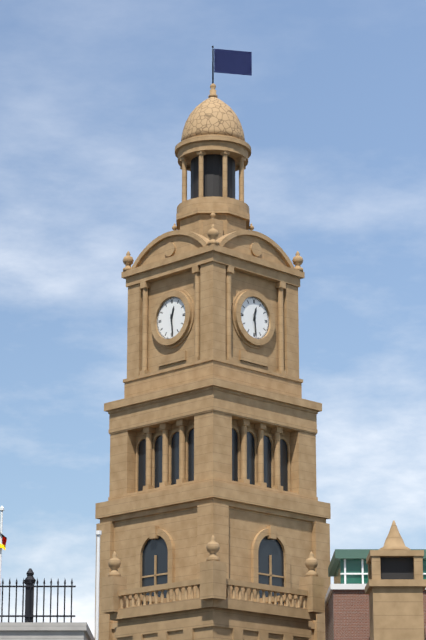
h=12 m=29
